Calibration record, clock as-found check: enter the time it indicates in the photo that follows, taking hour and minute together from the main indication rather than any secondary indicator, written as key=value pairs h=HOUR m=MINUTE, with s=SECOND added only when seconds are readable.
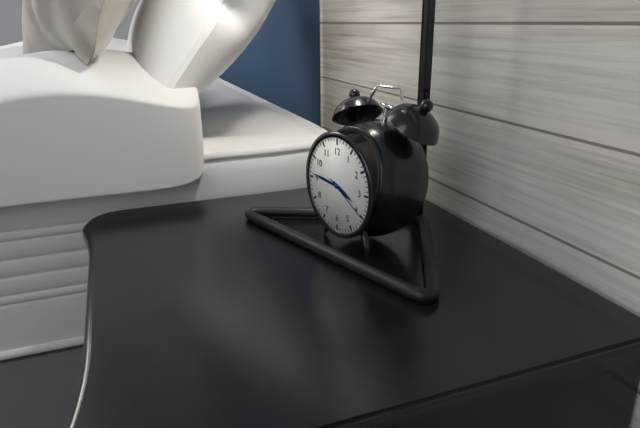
h=3 m=46
